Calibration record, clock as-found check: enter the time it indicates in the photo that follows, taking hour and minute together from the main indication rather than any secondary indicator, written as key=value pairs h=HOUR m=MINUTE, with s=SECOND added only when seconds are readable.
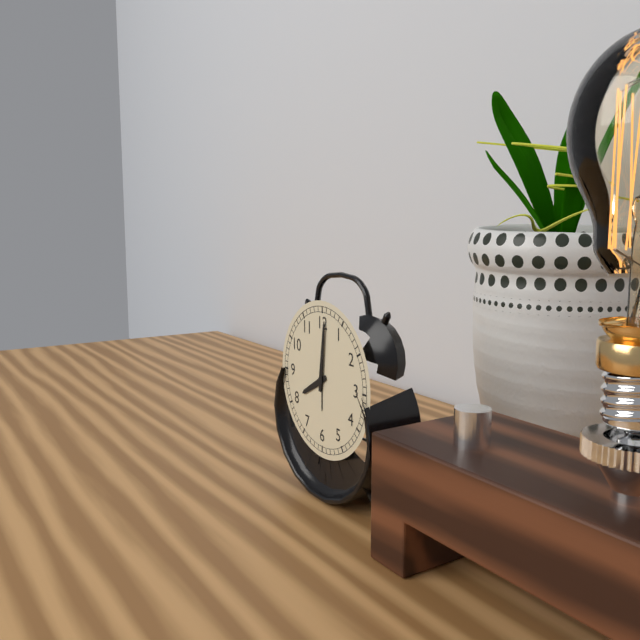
h=8 m=1
